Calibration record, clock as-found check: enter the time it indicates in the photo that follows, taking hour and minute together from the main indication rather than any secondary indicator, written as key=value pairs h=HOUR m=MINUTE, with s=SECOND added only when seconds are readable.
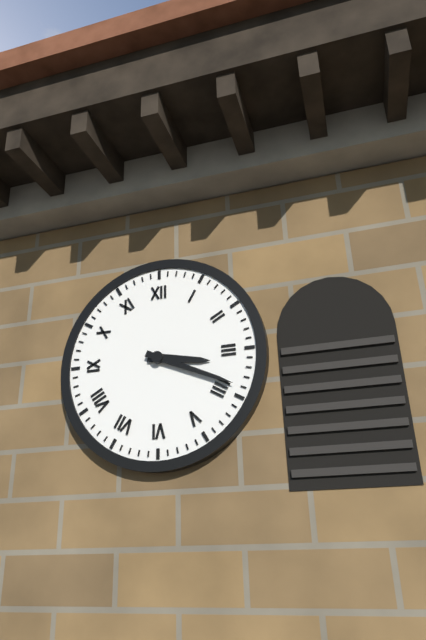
h=3 m=19
